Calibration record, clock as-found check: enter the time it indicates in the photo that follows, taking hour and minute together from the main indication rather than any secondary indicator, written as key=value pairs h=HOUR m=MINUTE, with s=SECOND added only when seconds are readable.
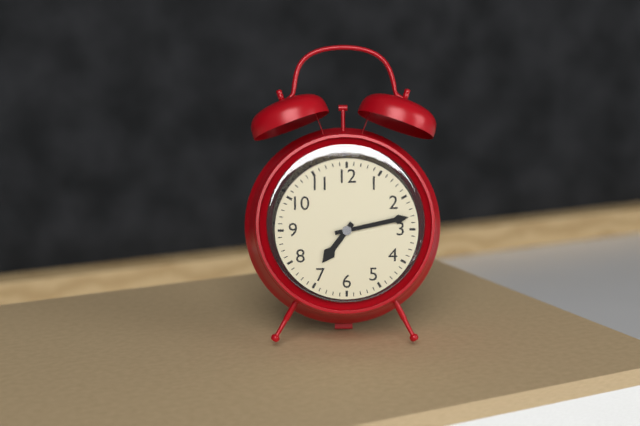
h=7 m=13
